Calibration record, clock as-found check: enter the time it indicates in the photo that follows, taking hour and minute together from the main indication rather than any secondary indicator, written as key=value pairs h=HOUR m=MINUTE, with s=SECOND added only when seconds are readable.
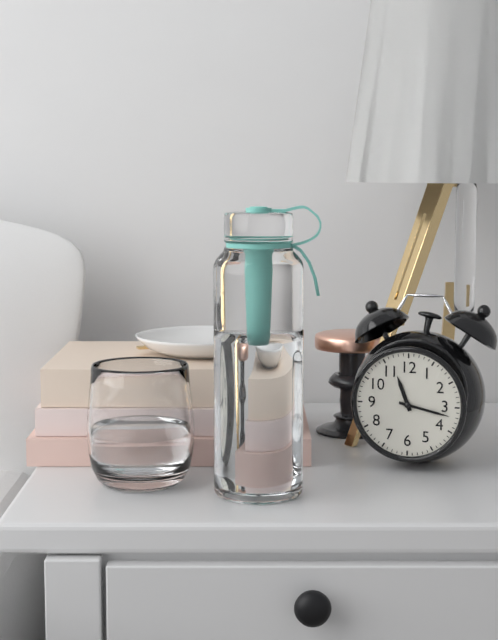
h=11 m=17
